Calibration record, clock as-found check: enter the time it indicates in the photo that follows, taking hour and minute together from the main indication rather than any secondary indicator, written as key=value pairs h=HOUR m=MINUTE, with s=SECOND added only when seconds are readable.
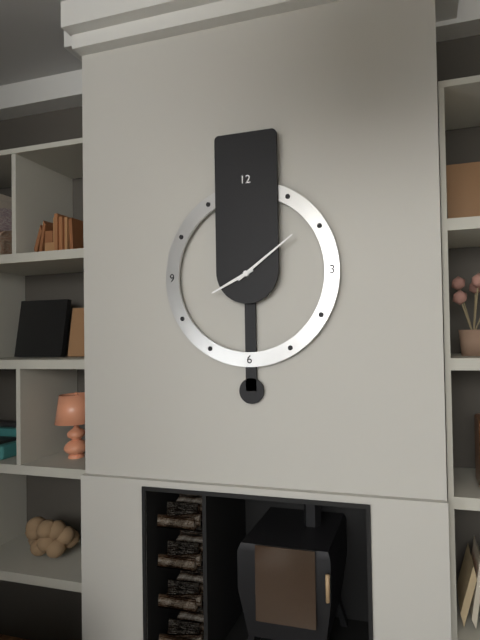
h=8 m=9
